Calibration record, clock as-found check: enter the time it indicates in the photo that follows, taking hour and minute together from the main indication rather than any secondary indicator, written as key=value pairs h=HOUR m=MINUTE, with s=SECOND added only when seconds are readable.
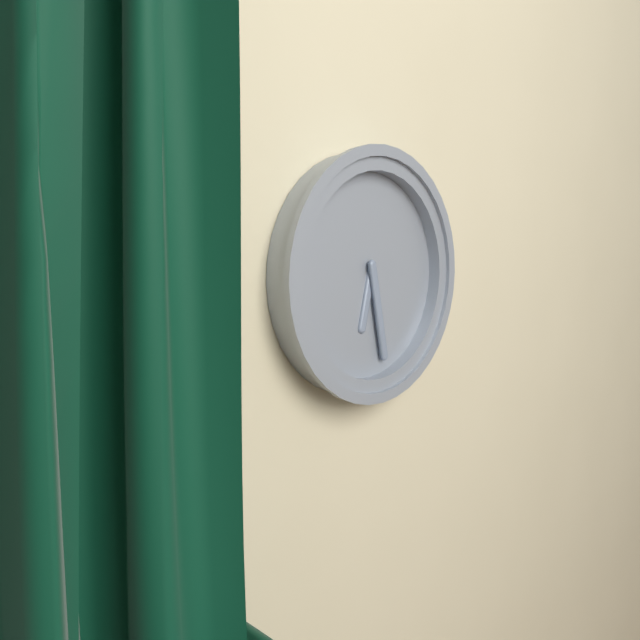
h=6 m=28
